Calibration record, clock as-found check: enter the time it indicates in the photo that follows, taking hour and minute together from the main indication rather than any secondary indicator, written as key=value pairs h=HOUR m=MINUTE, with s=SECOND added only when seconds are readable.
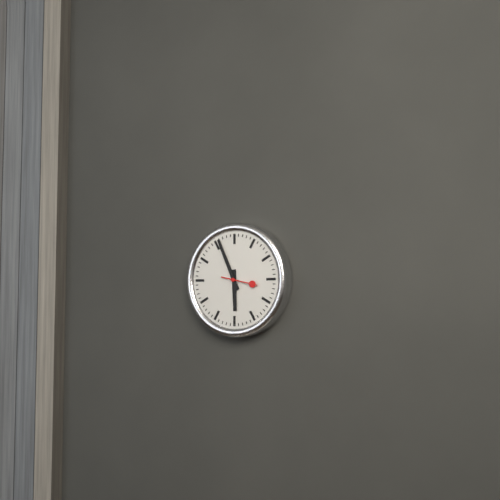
h=5 m=56
